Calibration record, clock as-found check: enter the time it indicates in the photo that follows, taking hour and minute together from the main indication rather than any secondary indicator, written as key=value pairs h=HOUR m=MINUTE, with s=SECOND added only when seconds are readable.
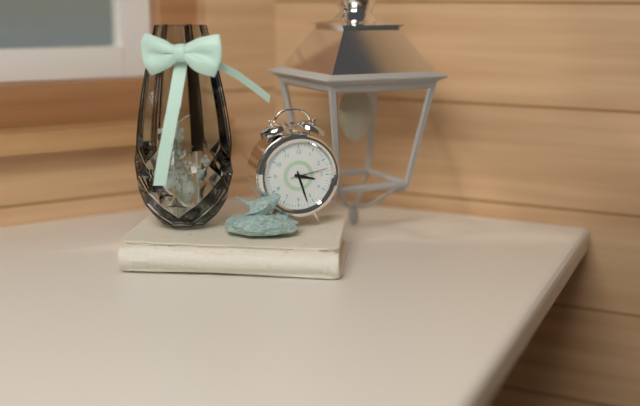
h=3 m=27
